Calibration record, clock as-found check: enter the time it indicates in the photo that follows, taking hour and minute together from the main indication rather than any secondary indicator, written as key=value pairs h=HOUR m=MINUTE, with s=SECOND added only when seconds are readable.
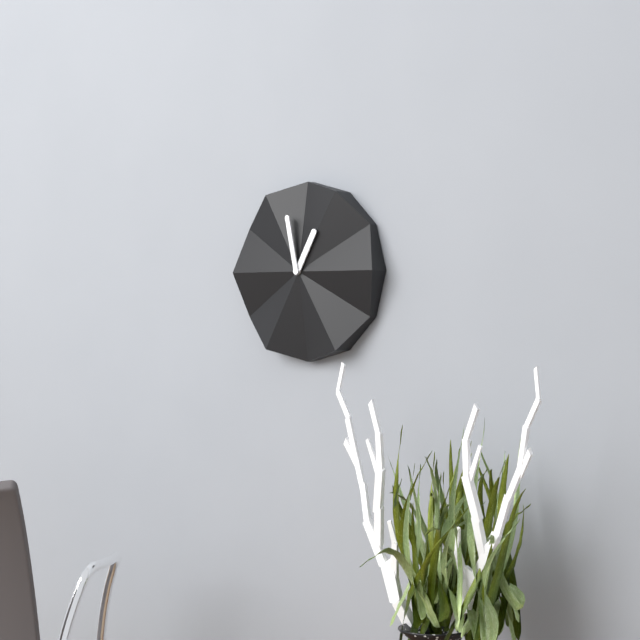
h=12 m=58
